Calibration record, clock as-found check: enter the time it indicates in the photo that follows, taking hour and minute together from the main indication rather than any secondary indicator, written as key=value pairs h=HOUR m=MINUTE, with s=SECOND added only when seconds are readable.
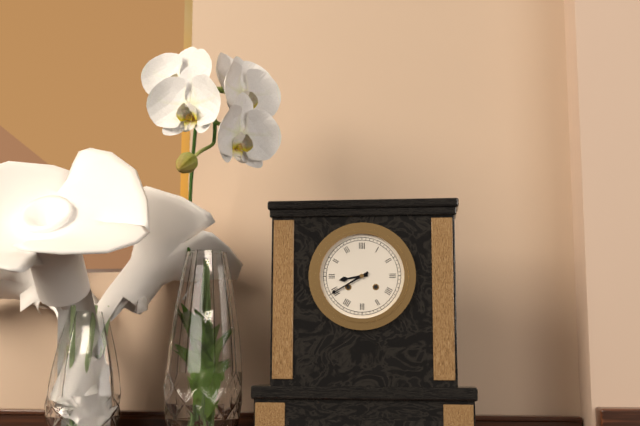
h=8 m=40
